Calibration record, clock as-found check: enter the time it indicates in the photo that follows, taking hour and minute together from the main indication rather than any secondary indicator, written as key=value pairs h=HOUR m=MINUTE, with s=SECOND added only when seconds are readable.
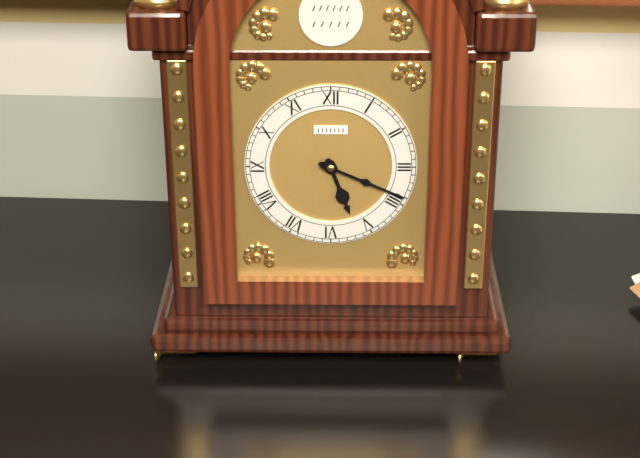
h=5 m=19
